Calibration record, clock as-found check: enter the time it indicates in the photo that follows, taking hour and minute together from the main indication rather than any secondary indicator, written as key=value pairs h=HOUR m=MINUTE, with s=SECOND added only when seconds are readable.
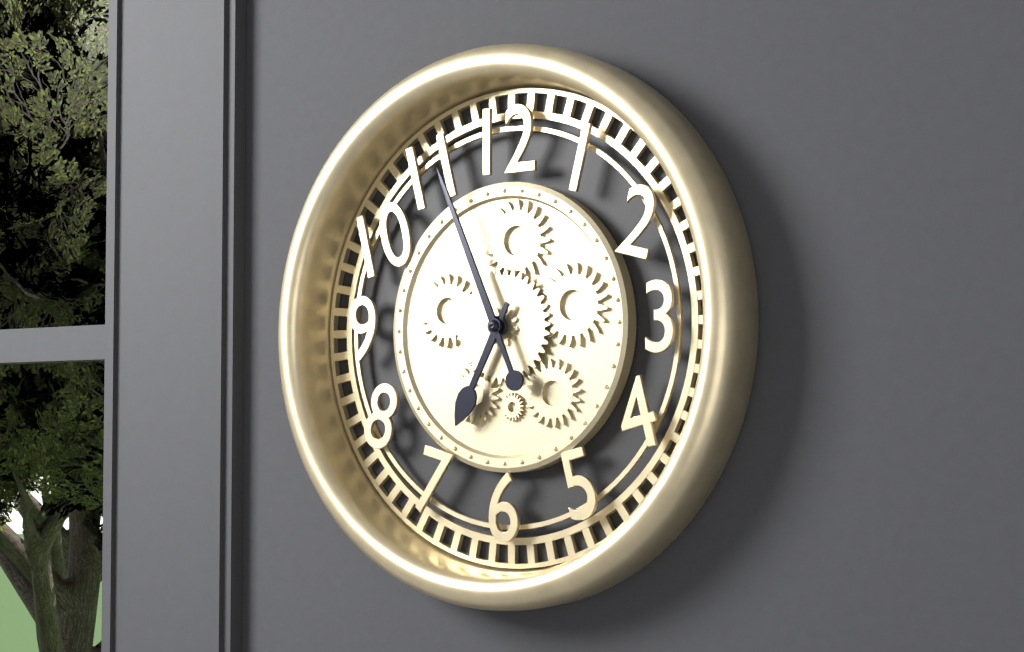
h=6 m=56
